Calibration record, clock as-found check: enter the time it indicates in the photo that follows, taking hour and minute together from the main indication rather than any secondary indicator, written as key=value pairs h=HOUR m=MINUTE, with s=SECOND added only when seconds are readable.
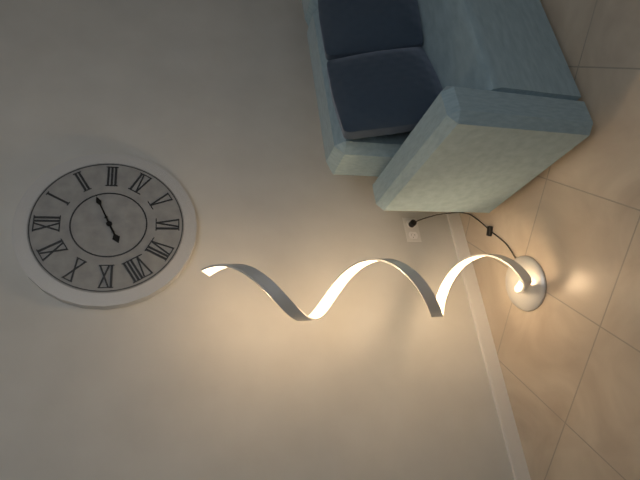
h=8 m=11
